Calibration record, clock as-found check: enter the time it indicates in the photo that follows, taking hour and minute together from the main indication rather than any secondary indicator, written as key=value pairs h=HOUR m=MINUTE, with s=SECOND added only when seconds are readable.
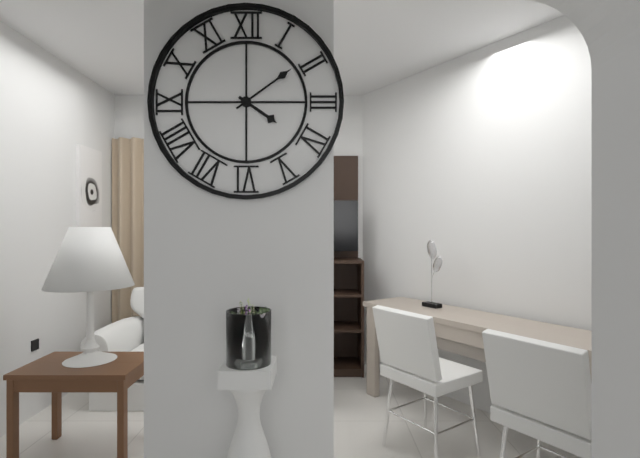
h=4 m=9
